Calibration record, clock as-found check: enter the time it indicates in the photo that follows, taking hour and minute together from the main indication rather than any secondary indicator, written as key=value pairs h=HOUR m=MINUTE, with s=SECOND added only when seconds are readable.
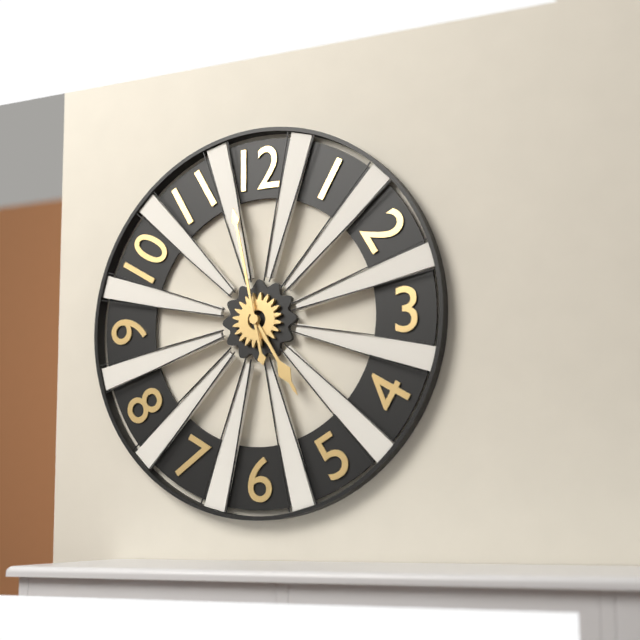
h=4 m=58
